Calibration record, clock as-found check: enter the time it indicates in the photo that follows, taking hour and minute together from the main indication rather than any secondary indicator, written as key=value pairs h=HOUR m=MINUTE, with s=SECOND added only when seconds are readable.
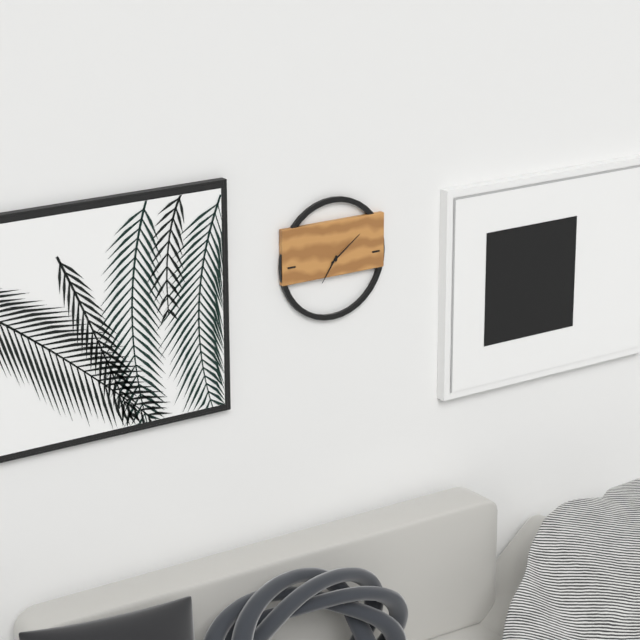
h=7 m=9
